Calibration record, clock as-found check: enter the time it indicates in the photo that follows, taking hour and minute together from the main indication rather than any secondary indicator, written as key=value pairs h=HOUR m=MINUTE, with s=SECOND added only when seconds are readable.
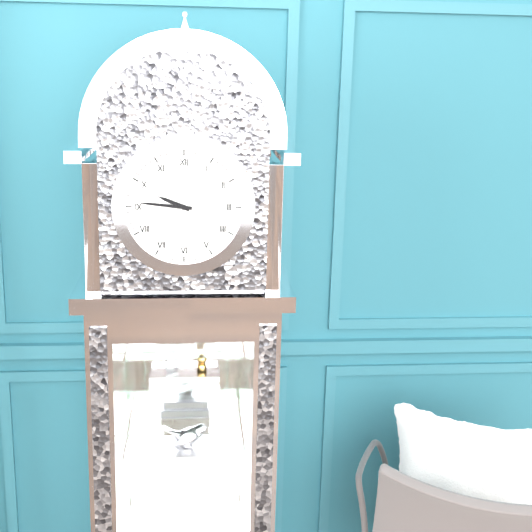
h=9 m=46
